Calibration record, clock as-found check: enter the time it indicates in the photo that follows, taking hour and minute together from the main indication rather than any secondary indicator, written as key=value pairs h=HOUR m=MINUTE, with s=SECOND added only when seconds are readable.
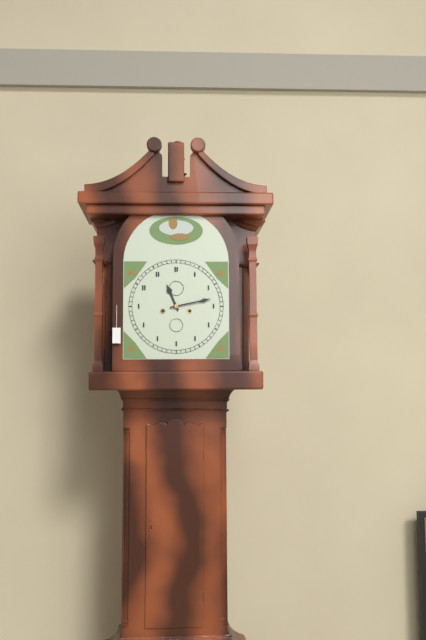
h=11 m=13
